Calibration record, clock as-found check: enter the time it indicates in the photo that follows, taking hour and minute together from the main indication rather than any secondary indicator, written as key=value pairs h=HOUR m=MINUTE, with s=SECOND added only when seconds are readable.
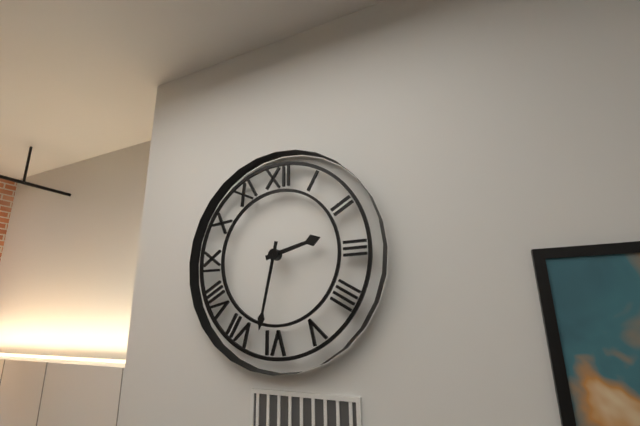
h=2 m=32
